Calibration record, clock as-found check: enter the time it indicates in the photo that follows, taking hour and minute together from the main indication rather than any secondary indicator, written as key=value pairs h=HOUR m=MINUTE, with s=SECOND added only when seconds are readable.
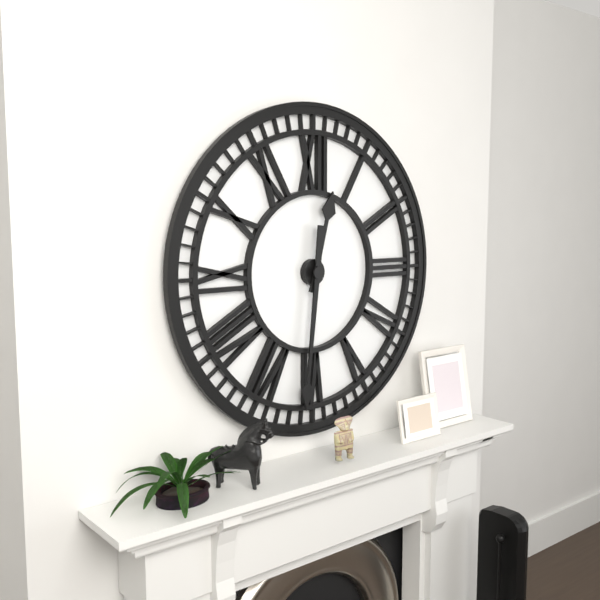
h=12 m=31
